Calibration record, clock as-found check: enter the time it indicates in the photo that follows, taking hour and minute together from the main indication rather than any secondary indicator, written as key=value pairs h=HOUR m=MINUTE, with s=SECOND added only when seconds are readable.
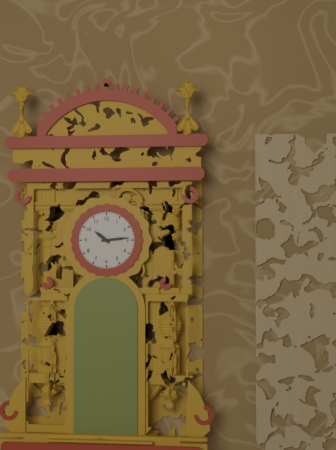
h=10 m=14
